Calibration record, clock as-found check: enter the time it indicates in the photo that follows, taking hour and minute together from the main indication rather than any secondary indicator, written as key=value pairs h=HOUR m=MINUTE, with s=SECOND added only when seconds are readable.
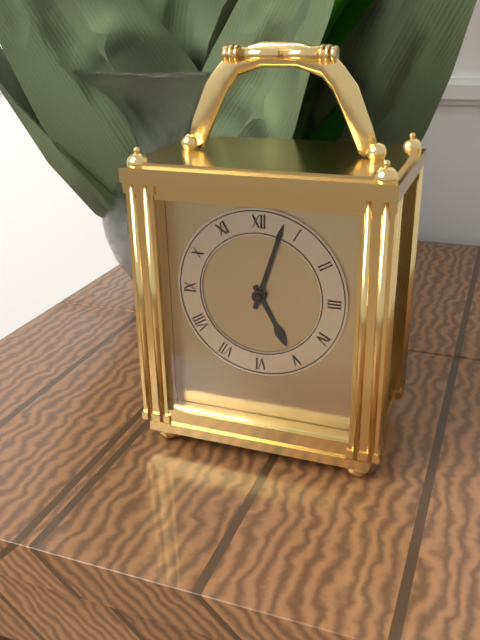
h=5 m=3
